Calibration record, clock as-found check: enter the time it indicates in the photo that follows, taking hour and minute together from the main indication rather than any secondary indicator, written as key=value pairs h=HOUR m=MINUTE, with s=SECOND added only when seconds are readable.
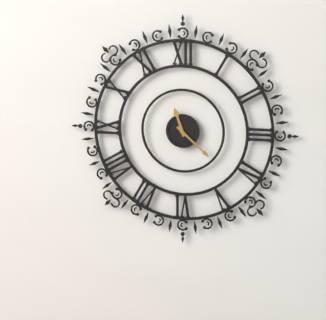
h=11 m=22
